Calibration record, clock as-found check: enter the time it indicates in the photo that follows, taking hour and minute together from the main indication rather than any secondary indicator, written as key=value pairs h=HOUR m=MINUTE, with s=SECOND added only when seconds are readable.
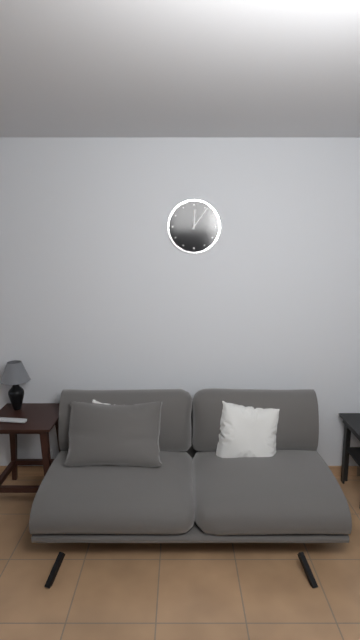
h=12 m=6
